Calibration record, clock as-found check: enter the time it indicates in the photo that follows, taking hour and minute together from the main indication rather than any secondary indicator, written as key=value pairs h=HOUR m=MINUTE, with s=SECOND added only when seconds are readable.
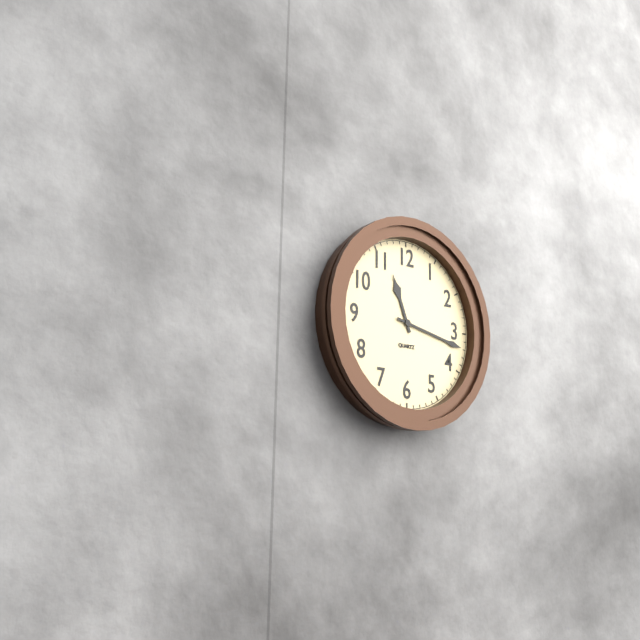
h=11 m=17
